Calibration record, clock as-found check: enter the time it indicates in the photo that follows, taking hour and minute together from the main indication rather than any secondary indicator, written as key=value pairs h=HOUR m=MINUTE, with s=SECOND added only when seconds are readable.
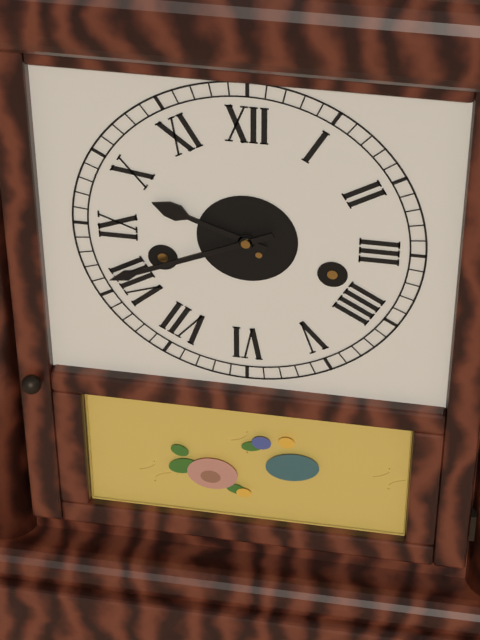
h=9 m=41
